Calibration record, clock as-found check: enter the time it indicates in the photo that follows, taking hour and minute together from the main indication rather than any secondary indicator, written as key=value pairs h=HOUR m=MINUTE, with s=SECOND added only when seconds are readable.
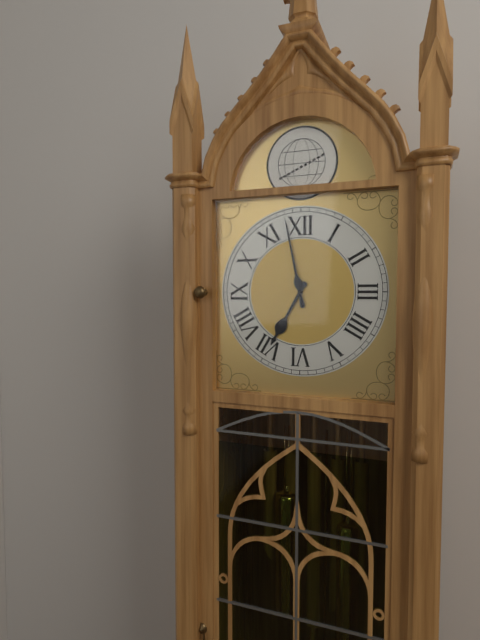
h=6 m=58
